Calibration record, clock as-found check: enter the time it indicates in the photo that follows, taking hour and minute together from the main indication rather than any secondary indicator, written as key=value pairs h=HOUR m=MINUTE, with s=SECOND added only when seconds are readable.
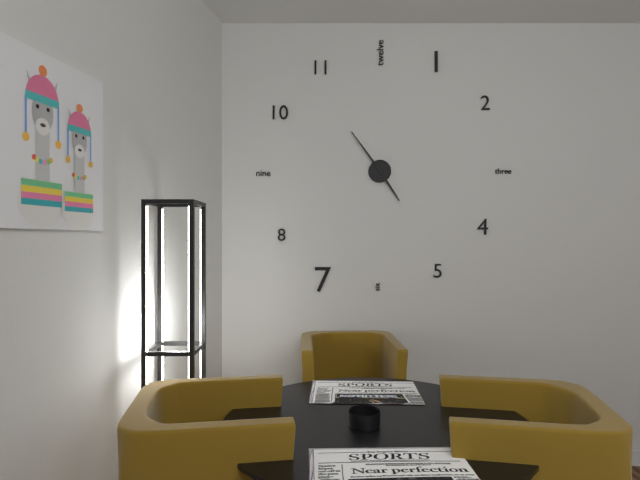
h=4 m=54
